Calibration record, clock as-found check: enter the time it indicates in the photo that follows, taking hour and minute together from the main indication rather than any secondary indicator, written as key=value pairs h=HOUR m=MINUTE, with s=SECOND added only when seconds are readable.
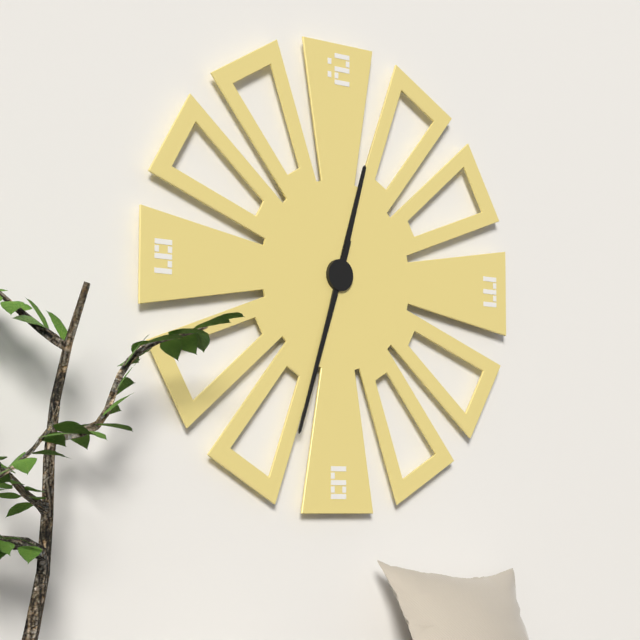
h=12 m=33
